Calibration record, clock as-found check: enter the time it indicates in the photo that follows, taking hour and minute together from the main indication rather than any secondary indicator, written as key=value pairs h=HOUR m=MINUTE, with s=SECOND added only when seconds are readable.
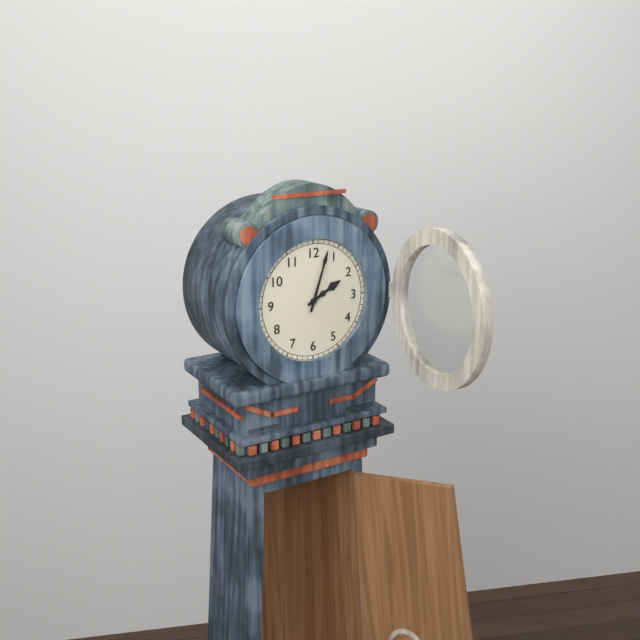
h=2 m=3
